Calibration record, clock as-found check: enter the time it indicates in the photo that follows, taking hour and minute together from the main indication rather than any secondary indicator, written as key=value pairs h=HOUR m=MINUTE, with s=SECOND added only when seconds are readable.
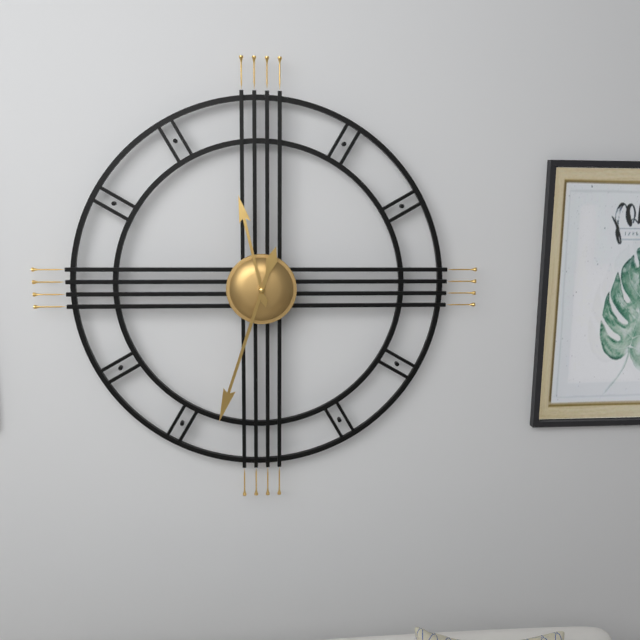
h=11 m=33
